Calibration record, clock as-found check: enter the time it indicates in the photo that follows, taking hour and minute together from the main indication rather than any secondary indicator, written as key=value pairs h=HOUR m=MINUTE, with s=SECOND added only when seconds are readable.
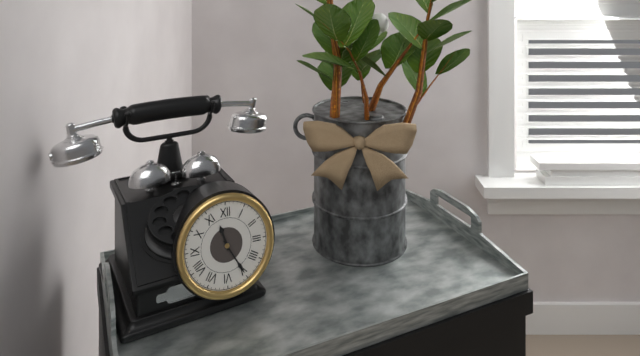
h=11 m=25
